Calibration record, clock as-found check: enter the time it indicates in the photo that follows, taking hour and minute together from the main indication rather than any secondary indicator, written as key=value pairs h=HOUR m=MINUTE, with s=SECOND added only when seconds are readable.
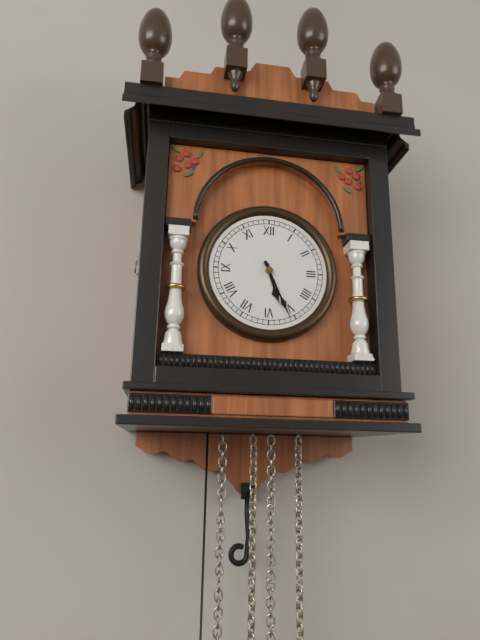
h=5 m=26
